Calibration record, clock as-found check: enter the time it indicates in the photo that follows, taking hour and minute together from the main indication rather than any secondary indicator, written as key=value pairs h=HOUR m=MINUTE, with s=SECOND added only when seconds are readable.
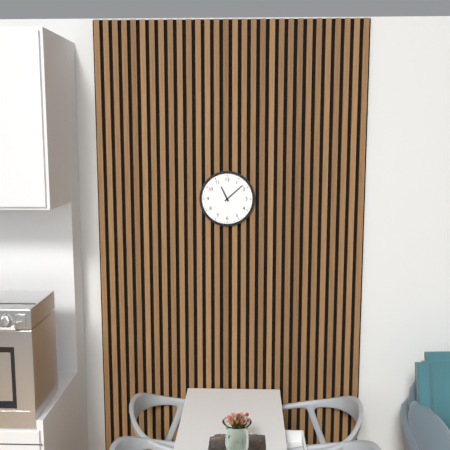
h=11 m=8
